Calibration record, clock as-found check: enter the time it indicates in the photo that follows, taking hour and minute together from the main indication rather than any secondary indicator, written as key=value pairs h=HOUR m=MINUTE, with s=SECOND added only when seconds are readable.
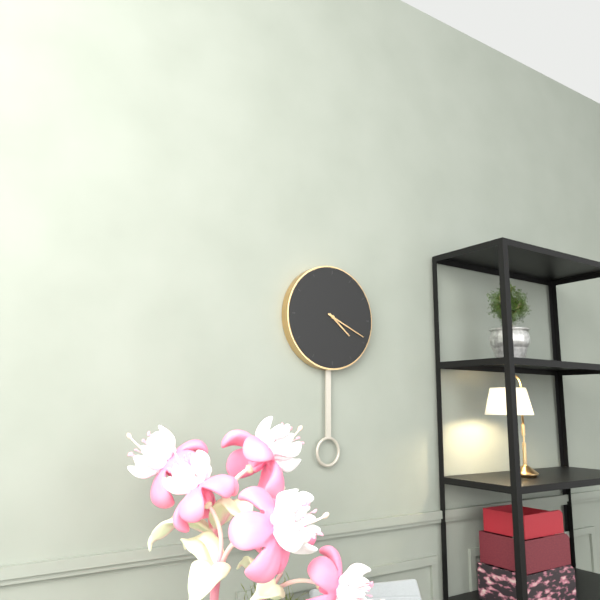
h=4 m=19
